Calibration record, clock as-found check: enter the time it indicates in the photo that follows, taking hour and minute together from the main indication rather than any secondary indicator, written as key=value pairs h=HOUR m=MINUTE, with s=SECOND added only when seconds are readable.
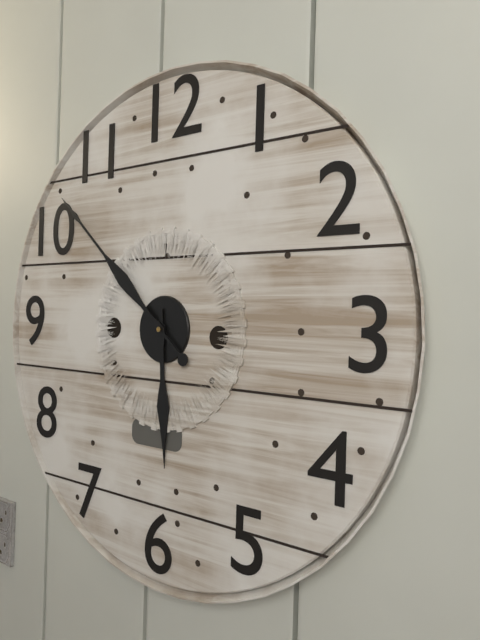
h=5 m=52
